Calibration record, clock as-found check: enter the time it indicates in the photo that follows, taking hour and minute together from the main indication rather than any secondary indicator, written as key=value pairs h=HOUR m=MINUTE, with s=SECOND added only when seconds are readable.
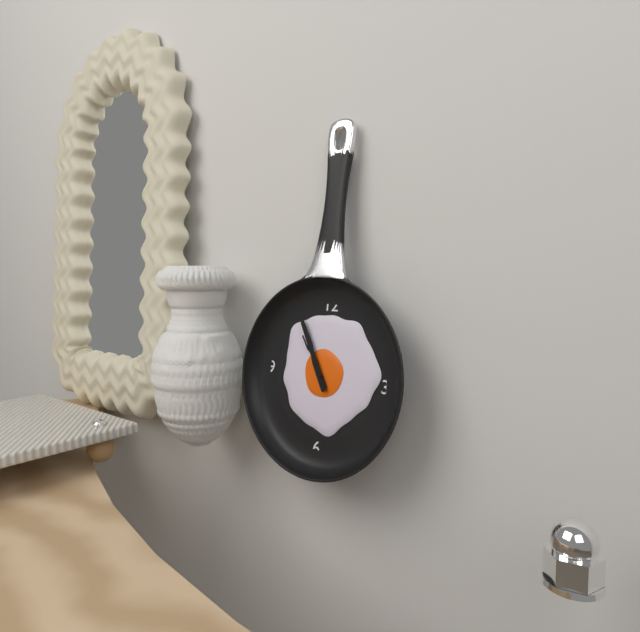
h=10 m=55
